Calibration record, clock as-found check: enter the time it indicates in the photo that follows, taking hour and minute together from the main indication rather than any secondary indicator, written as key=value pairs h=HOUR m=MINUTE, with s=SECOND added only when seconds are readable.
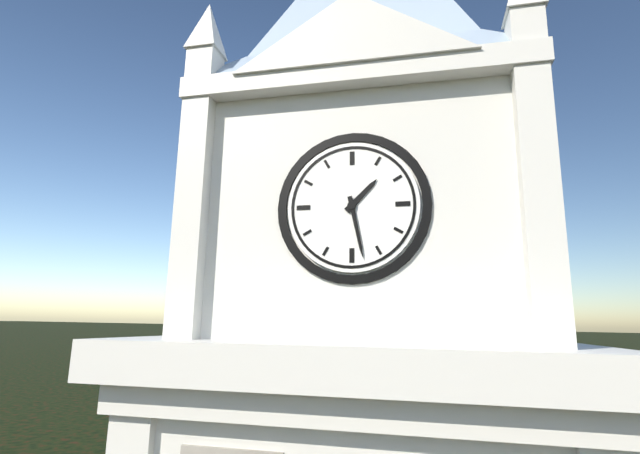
h=1 m=28
